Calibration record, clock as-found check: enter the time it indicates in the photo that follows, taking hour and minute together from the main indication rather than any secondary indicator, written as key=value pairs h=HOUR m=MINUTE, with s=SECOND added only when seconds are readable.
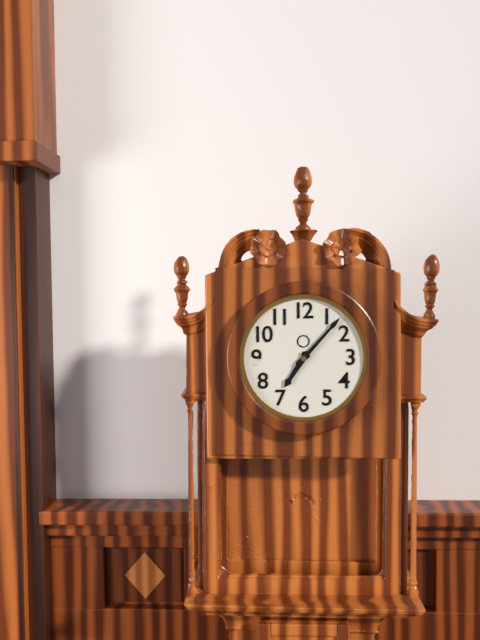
h=7 m=7
